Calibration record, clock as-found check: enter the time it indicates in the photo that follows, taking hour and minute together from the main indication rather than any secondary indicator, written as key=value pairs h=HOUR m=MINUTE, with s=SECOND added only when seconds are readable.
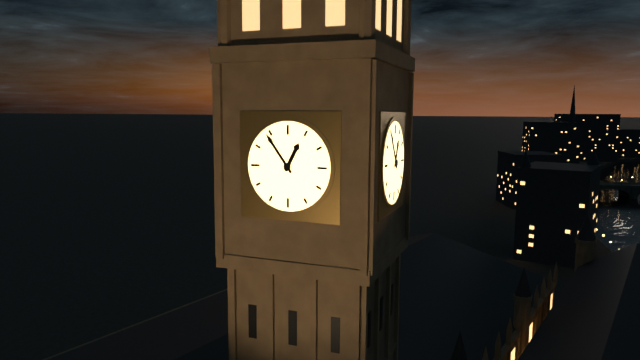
h=12 m=54
